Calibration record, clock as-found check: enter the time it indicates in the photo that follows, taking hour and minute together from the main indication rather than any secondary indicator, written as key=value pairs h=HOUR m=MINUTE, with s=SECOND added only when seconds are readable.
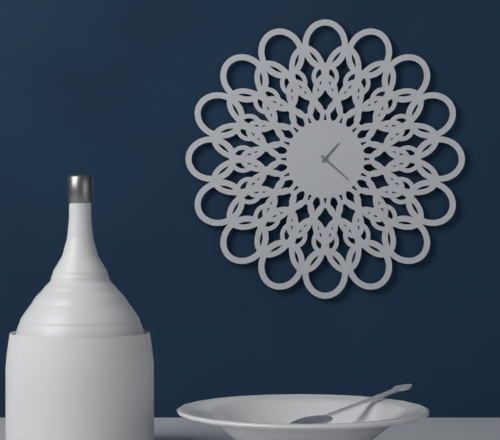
h=1 m=22
